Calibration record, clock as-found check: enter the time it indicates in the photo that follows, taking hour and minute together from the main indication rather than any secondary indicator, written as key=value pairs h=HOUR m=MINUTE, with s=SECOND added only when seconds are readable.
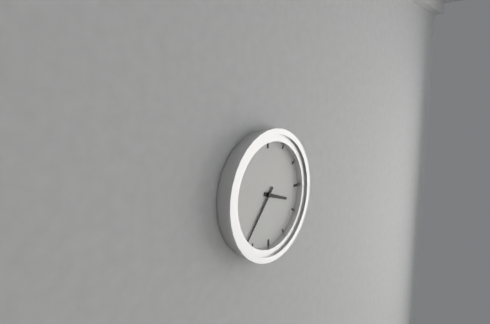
h=3 m=37
